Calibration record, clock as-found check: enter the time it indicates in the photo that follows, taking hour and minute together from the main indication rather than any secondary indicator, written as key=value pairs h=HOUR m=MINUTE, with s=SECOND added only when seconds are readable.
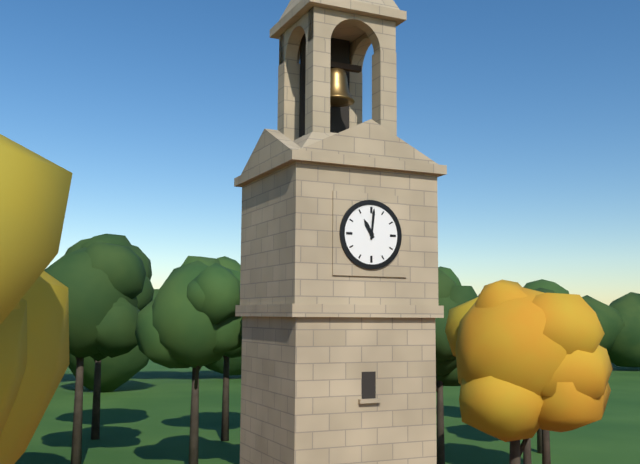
h=11 m=1
